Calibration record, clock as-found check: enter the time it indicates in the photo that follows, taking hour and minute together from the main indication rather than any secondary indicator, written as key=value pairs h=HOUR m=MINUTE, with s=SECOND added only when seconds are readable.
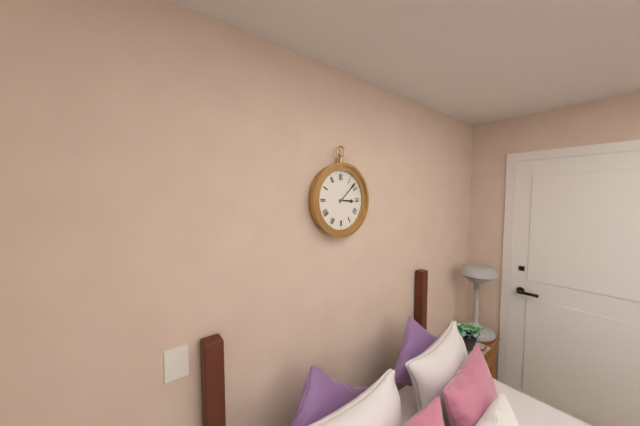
h=3 m=8
